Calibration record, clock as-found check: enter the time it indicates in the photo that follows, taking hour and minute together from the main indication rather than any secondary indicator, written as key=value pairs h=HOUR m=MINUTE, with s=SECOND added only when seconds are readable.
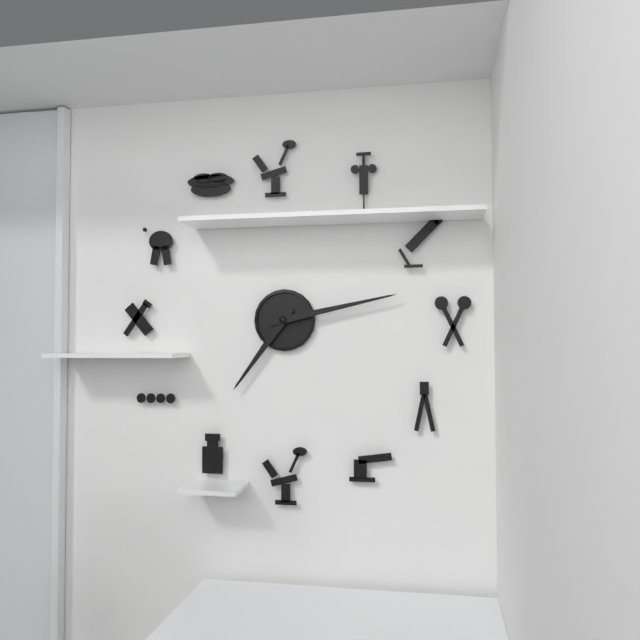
h=7 m=13
